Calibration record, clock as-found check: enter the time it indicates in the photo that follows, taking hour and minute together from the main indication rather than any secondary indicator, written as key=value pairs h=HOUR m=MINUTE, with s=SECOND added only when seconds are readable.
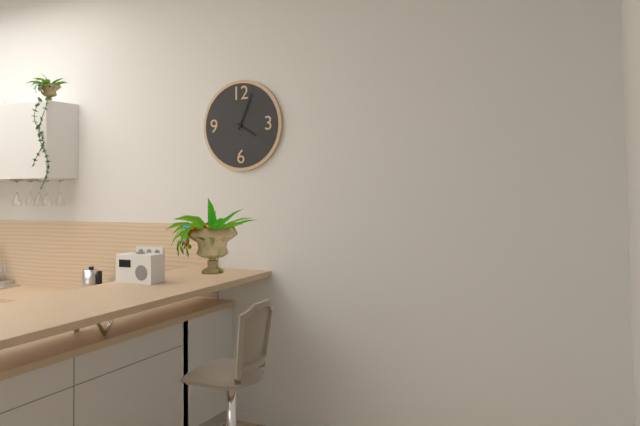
h=4 m=4
